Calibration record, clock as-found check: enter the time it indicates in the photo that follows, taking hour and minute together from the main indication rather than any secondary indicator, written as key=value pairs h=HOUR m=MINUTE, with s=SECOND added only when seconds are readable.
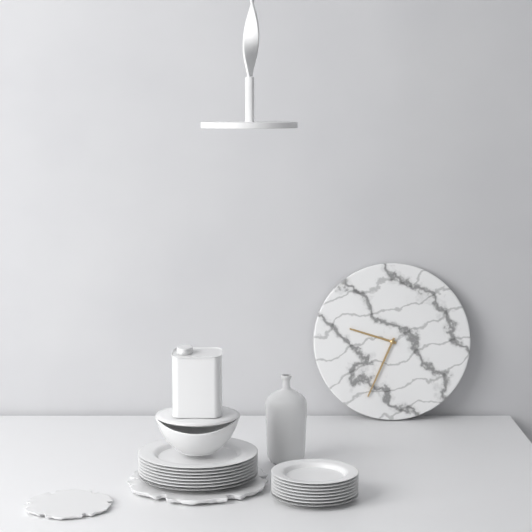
h=9 m=34
